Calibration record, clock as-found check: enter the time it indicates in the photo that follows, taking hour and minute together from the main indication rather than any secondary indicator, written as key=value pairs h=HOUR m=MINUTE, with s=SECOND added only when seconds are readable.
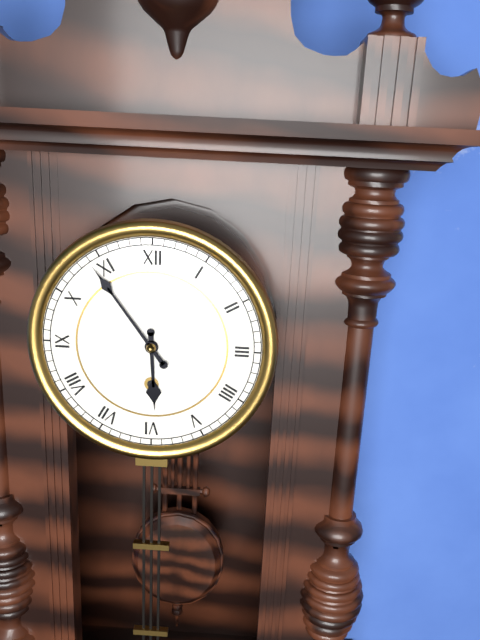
h=5 m=54
